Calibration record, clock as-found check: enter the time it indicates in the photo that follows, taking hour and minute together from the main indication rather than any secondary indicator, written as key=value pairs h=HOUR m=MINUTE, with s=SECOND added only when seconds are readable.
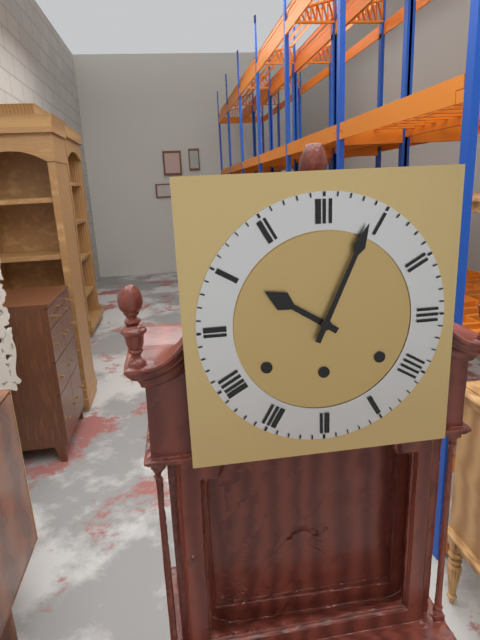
h=10 m=4
